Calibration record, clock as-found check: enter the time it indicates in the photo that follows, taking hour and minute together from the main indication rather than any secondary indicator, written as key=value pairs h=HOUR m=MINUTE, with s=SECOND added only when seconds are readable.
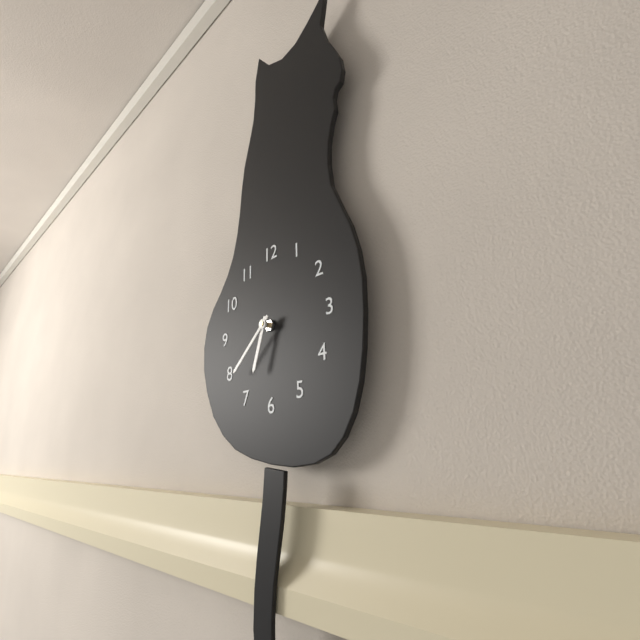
h=6 m=38
